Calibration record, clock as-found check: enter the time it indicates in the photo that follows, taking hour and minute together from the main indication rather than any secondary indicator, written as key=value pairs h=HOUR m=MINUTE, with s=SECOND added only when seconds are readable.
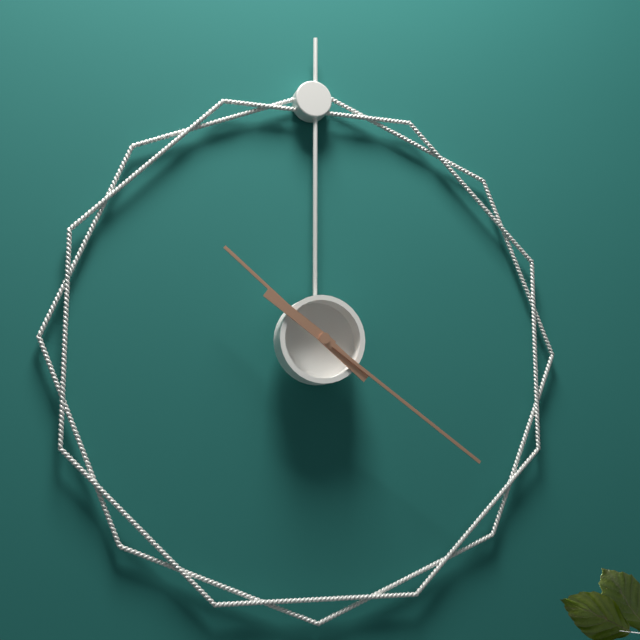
h=10 m=21
